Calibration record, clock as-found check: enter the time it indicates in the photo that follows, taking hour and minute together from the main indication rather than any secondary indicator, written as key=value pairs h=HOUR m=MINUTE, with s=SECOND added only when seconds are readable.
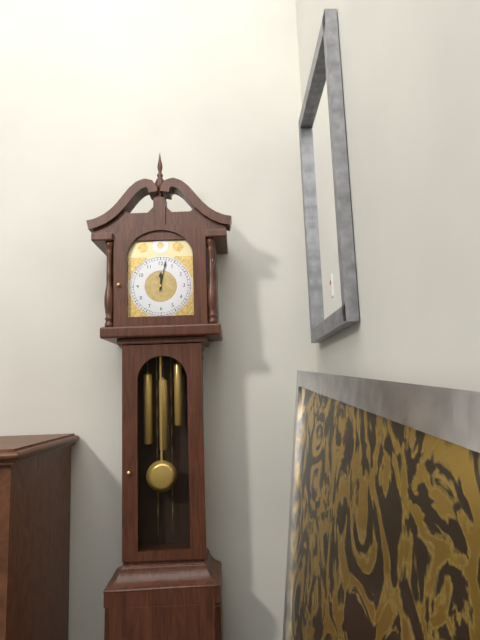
h=12 m=2
